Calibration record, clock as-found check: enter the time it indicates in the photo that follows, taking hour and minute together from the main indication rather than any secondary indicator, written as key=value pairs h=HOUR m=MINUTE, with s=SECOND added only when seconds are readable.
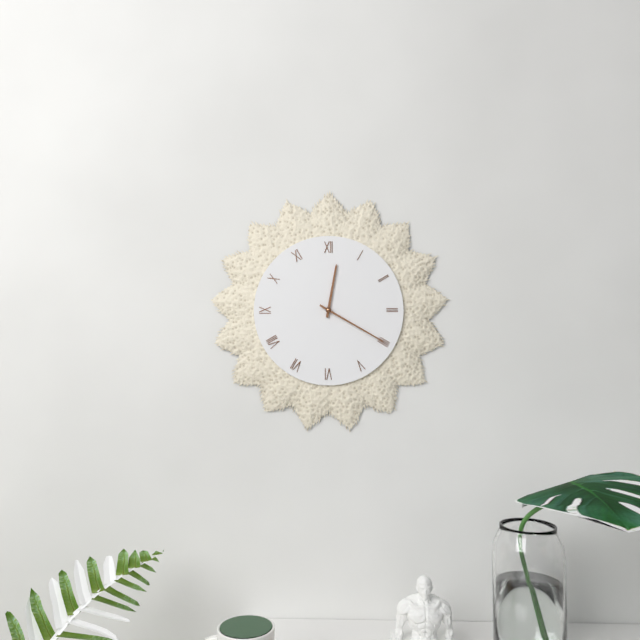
h=12 m=20
